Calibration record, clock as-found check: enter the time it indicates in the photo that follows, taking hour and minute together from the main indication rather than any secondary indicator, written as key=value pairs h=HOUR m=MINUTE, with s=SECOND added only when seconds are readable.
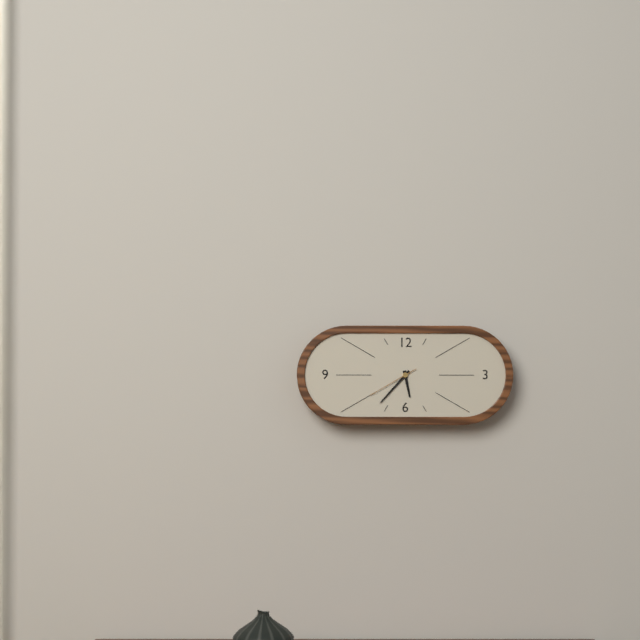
h=5 m=37
